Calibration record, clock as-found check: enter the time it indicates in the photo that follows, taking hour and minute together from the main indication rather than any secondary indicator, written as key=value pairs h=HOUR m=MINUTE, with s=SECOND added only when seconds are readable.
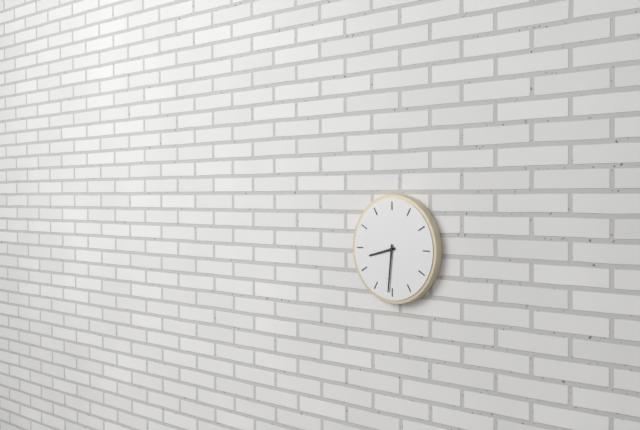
h=8 m=31
